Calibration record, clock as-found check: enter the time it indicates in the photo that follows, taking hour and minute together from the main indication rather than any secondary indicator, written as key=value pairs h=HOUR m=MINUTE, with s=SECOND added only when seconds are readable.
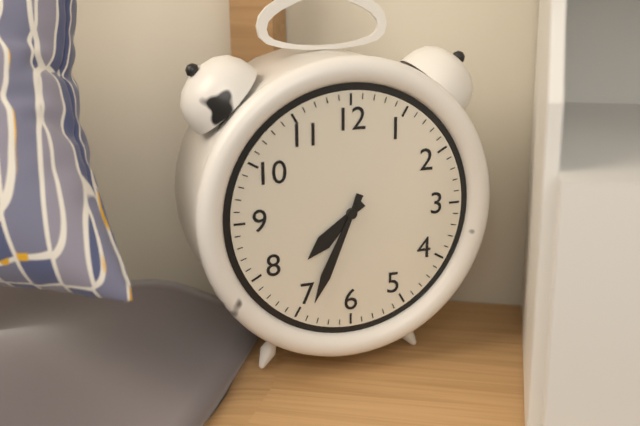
h=7 m=34
